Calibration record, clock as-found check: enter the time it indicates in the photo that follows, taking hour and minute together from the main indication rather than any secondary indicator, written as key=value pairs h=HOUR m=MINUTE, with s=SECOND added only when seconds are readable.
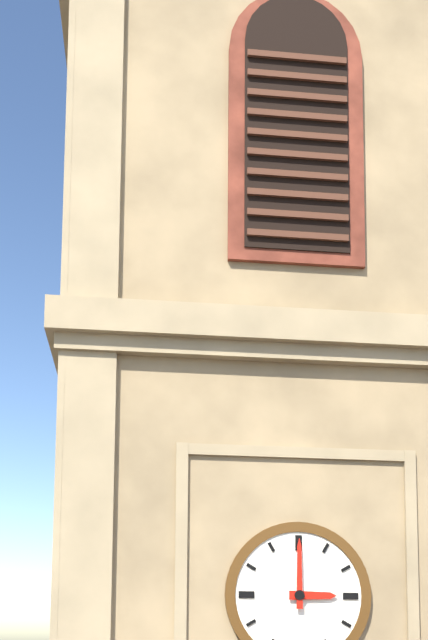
h=3 m=0
